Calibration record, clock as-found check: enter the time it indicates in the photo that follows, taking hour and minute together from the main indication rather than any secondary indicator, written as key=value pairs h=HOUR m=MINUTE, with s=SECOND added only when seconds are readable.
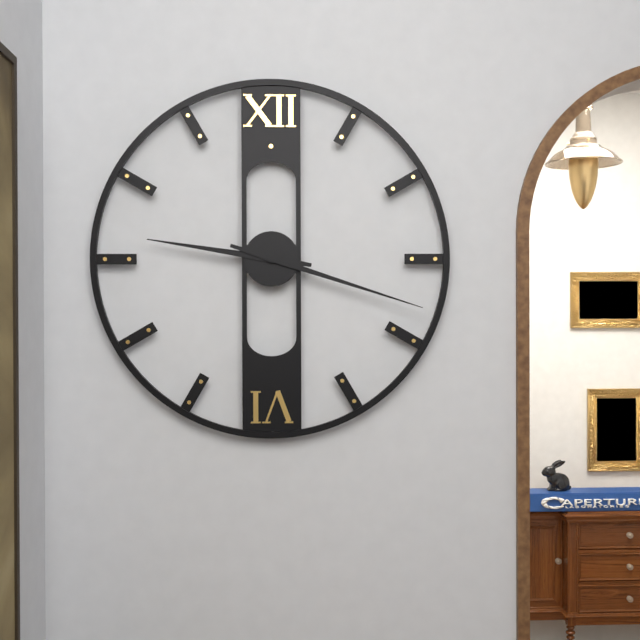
h=9 m=18
